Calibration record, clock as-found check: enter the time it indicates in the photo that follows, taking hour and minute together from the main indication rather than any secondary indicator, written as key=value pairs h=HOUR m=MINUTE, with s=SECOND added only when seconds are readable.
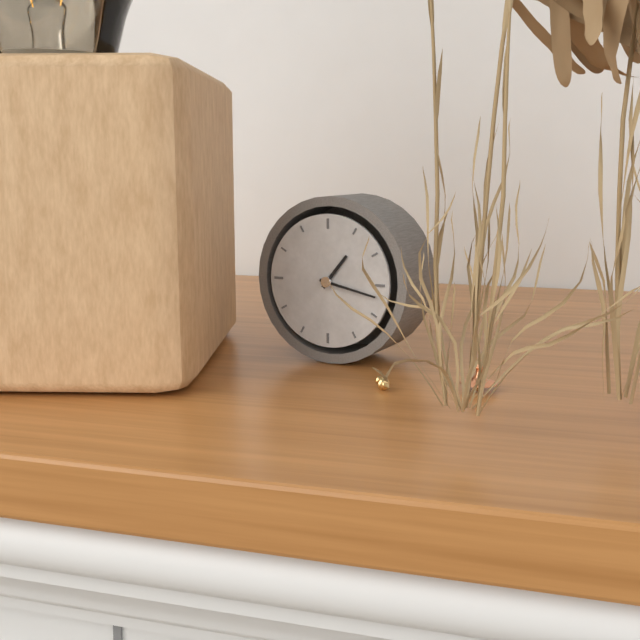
h=1 m=17
